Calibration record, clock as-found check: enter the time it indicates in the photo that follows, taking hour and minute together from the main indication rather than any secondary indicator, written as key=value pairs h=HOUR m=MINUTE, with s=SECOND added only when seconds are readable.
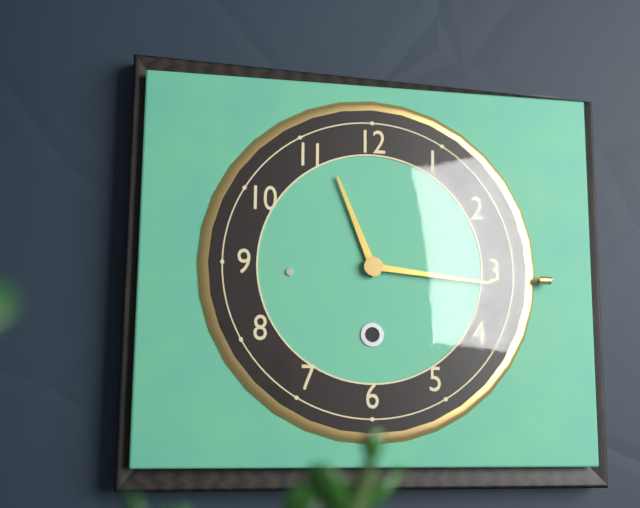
h=11 m=16
